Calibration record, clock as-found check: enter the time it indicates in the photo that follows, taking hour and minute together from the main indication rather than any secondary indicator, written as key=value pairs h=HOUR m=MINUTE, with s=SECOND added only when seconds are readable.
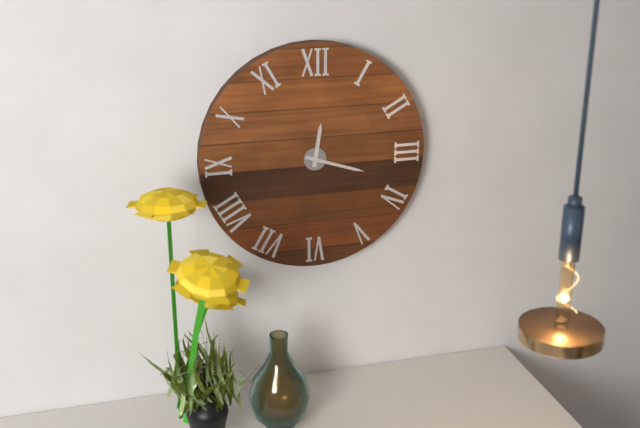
h=12 m=18
